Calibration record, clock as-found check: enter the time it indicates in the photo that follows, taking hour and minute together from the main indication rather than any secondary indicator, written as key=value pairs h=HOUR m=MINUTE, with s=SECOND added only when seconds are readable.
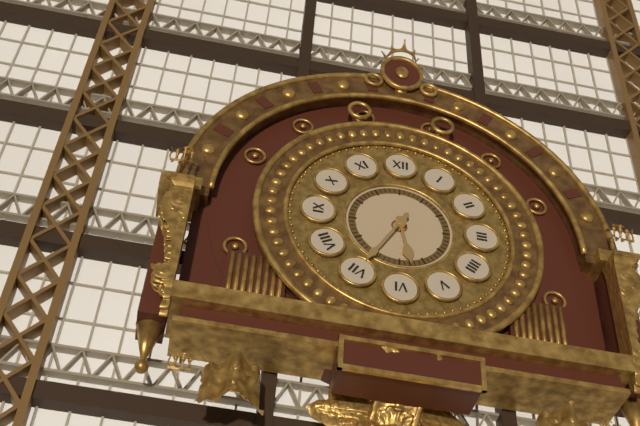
h=5 m=35
